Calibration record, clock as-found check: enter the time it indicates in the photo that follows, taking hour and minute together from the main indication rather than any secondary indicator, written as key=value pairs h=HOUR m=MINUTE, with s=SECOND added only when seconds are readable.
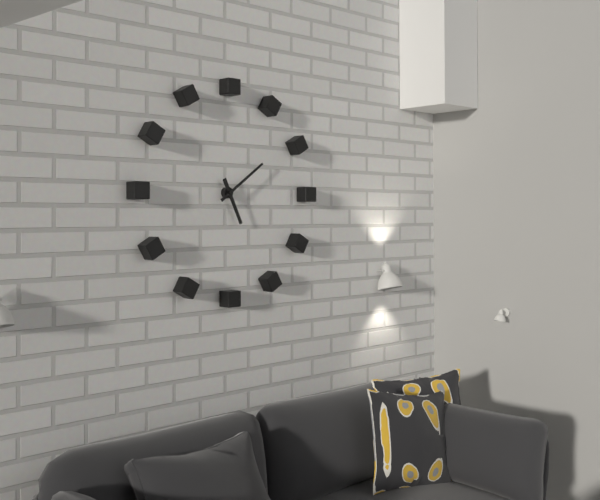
h=5 m=9
